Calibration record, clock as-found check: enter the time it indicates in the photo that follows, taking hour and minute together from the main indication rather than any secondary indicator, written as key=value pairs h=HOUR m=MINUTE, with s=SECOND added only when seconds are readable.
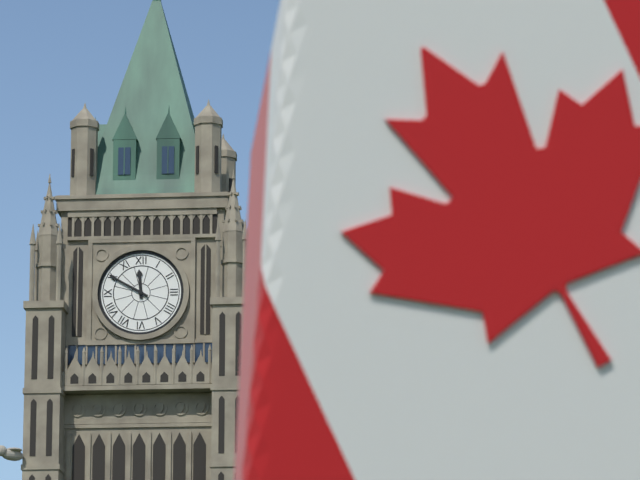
h=11 m=50
